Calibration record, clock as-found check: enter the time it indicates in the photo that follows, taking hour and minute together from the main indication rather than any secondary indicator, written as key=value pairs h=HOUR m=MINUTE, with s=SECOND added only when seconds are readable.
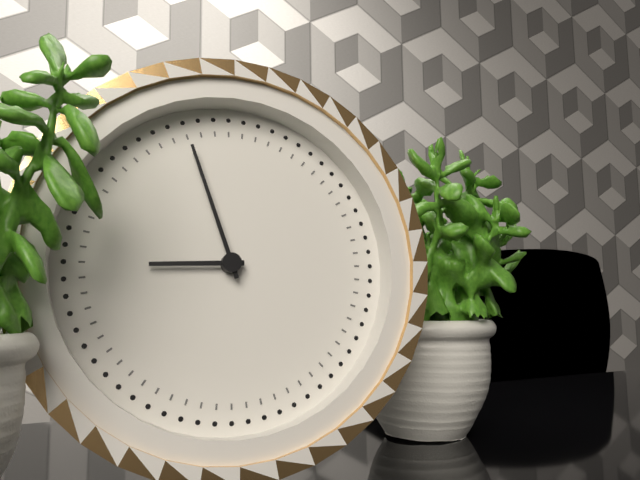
h=8 m=57
